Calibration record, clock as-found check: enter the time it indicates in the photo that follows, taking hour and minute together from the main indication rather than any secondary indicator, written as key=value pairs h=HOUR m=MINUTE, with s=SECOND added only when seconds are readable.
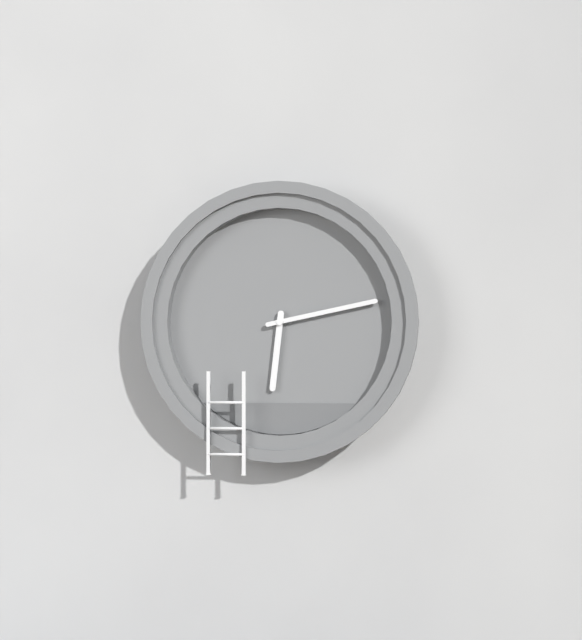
h=6 m=13
